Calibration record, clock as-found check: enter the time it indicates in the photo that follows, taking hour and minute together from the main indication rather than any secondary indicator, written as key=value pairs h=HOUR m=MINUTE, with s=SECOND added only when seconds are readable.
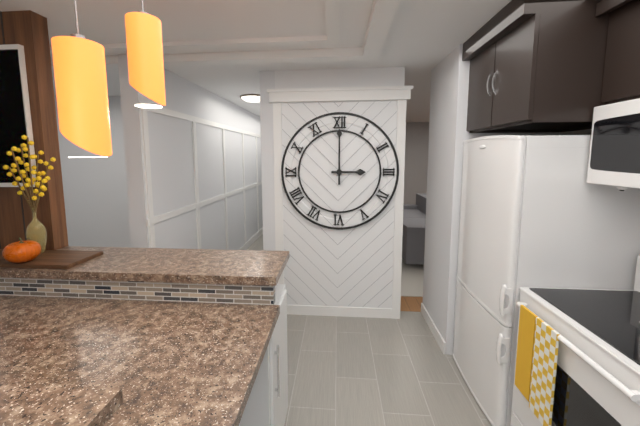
h=3 m=0
